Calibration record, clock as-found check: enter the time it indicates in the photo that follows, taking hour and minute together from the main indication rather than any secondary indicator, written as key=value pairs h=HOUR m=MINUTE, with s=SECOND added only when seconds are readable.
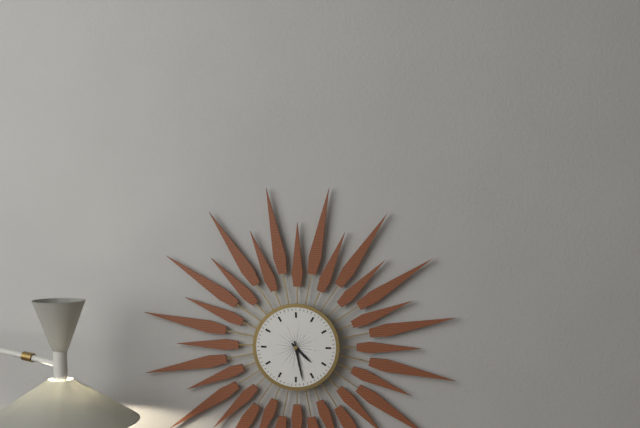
h=4 m=28
